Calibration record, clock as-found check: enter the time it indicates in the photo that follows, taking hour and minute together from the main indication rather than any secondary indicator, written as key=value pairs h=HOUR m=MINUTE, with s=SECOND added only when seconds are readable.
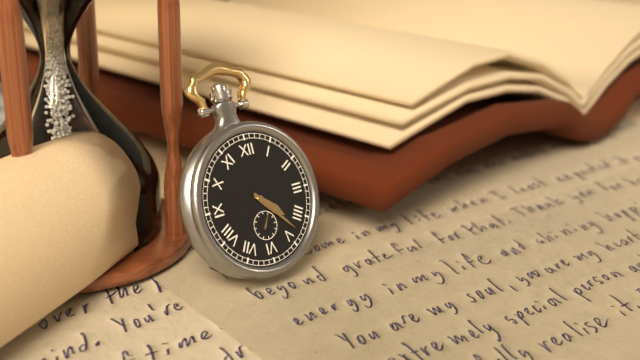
h=4 m=23
